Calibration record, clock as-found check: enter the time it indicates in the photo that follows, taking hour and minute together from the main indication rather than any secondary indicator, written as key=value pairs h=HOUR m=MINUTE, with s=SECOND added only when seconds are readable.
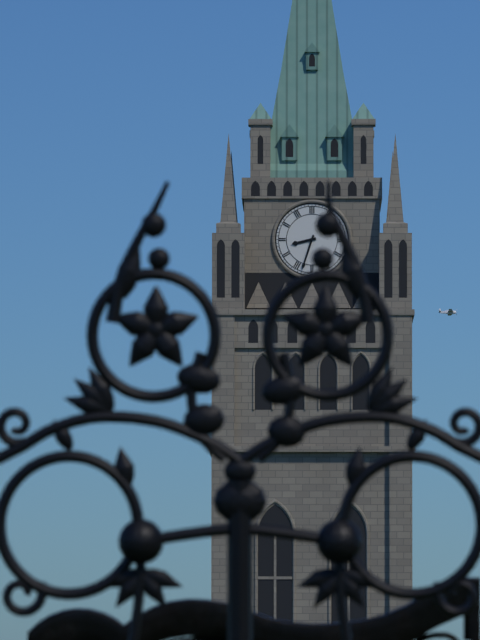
h=8 m=33
